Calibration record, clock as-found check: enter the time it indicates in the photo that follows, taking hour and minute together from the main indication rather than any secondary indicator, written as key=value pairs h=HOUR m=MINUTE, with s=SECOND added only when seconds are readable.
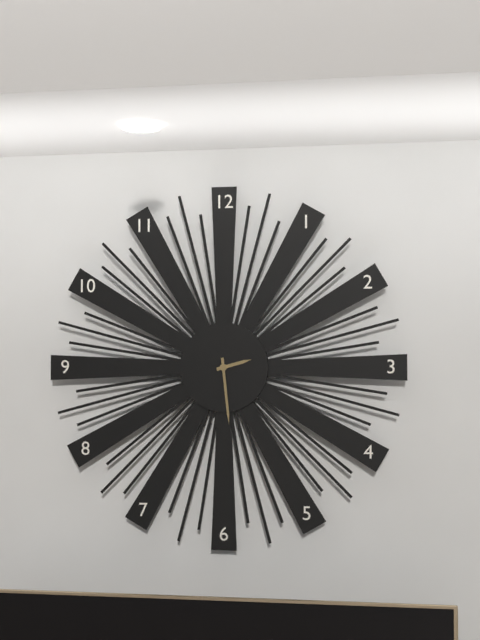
h=2 m=29
